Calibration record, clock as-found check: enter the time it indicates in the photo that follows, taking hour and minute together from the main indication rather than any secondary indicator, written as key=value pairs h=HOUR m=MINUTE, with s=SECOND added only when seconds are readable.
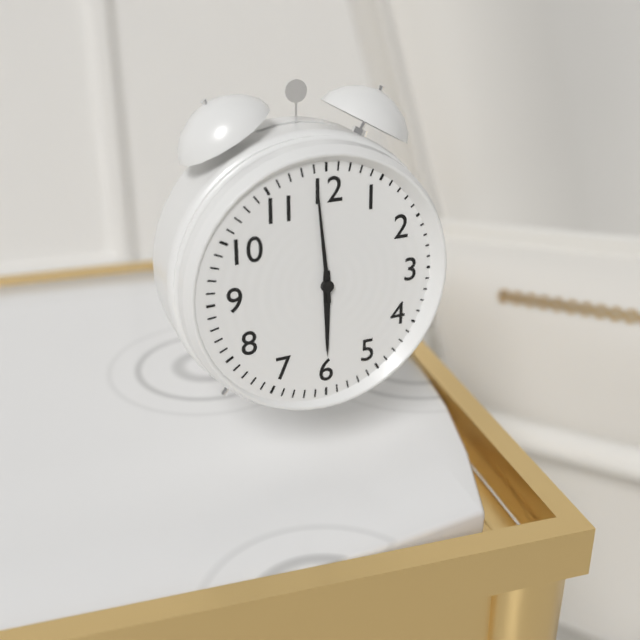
h=5 m=59
